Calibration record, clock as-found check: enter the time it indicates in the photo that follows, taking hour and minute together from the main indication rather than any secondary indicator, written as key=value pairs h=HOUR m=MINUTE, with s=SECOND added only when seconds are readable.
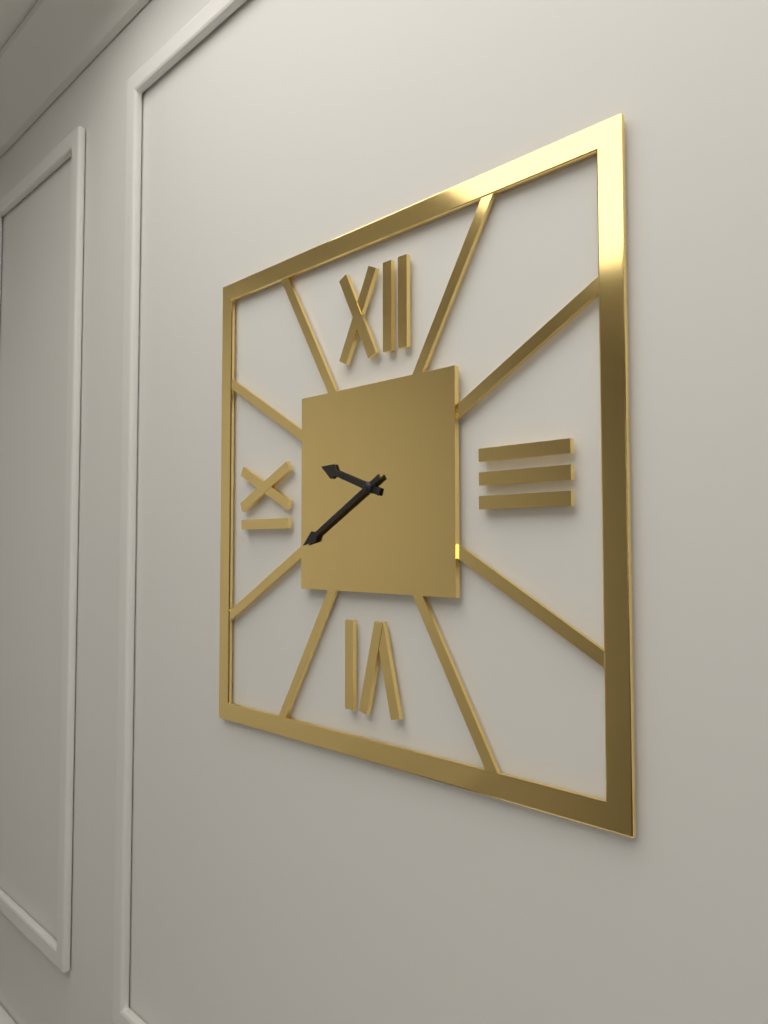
h=9 m=40
